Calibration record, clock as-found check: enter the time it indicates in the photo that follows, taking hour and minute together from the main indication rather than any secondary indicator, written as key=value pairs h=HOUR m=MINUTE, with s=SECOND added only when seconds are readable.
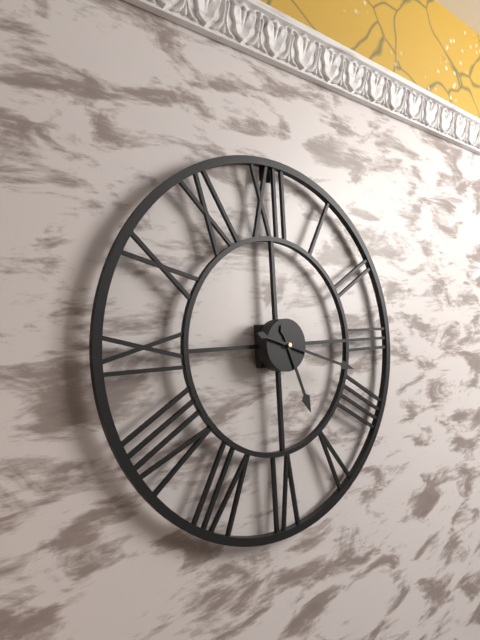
h=5 m=18
